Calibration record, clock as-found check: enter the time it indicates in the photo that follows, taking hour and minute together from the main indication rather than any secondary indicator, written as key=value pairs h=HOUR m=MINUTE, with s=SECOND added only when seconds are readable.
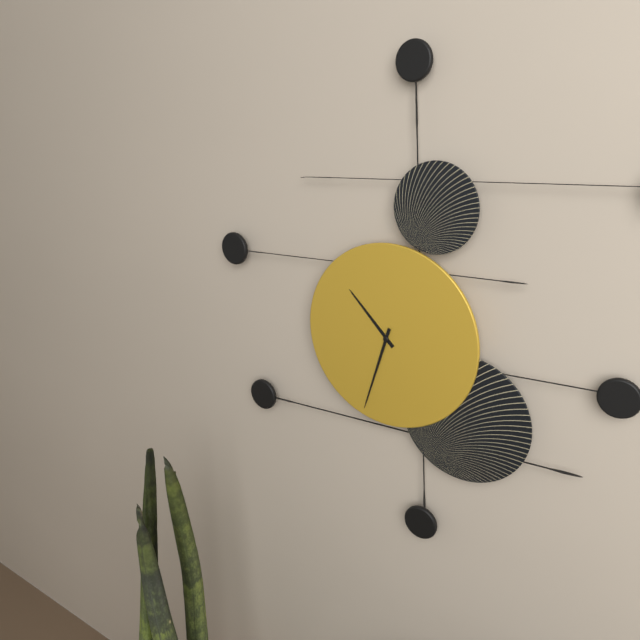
h=10 m=33
